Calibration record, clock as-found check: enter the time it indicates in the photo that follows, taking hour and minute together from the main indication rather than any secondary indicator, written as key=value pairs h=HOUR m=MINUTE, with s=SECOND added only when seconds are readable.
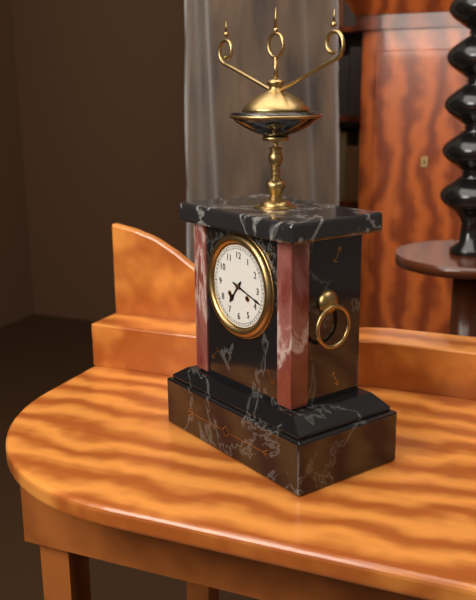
h=7 m=18
